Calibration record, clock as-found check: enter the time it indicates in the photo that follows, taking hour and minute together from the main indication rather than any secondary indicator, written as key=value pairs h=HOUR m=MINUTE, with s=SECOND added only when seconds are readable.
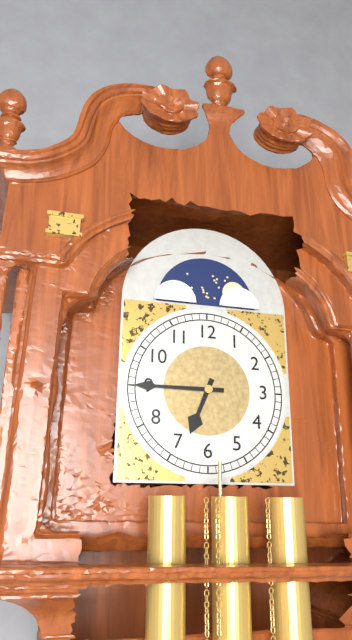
h=6 m=45
